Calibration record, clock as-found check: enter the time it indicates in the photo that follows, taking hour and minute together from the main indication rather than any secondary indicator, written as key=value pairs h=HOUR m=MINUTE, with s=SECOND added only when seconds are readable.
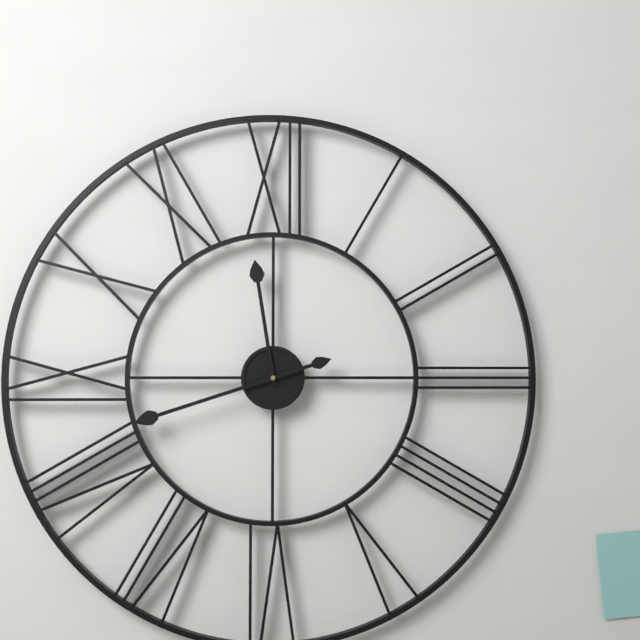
h=11 m=42
